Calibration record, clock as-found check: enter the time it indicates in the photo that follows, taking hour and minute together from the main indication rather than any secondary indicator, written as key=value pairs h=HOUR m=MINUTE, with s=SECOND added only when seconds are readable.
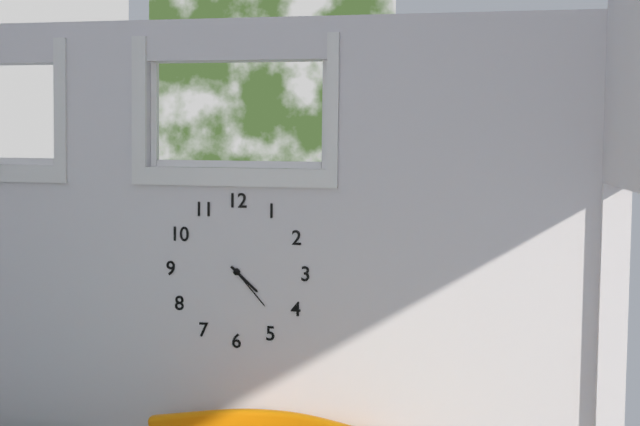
h=4 m=23
